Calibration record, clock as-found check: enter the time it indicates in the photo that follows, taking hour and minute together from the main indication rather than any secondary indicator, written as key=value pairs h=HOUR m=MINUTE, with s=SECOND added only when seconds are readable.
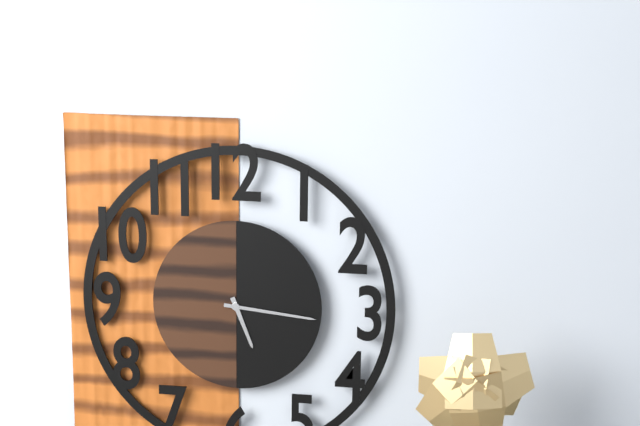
h=5 m=16
